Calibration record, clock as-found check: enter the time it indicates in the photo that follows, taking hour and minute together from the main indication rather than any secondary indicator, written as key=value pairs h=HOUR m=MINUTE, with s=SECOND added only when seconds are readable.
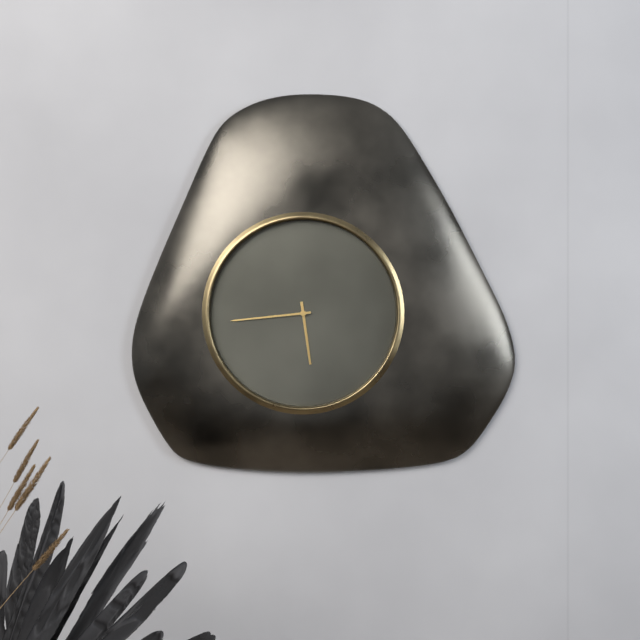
h=5 m=44
